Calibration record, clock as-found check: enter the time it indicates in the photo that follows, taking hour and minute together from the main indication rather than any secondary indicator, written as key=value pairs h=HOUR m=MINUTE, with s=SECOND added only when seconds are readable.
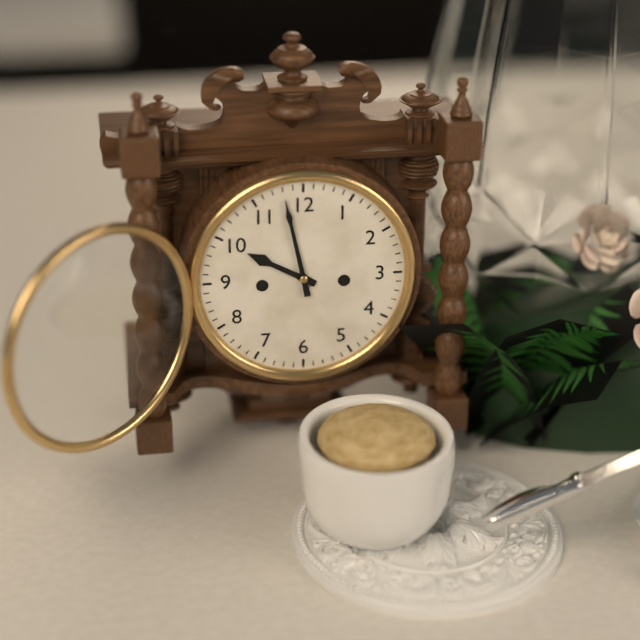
h=9 m=58
